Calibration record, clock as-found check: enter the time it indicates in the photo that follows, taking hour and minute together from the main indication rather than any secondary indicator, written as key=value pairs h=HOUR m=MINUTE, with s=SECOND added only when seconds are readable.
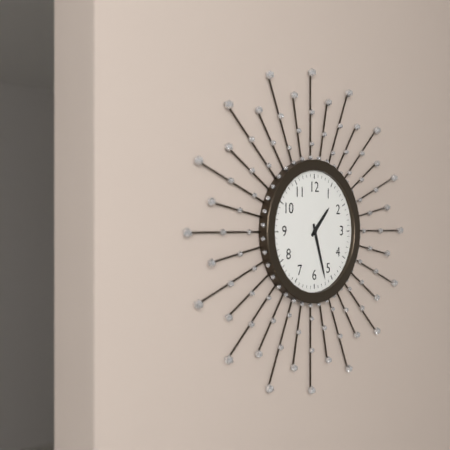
h=1 m=27
